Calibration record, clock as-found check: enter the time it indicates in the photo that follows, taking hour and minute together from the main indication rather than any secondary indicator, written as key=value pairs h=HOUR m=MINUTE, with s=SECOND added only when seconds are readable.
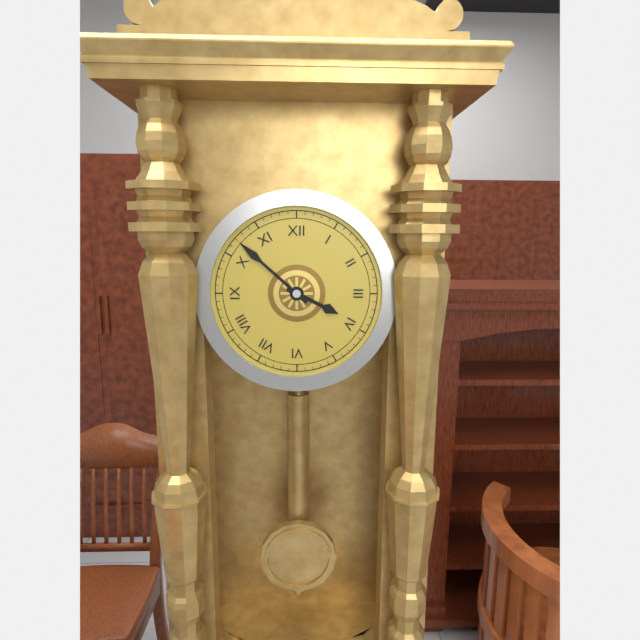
h=3 m=52
